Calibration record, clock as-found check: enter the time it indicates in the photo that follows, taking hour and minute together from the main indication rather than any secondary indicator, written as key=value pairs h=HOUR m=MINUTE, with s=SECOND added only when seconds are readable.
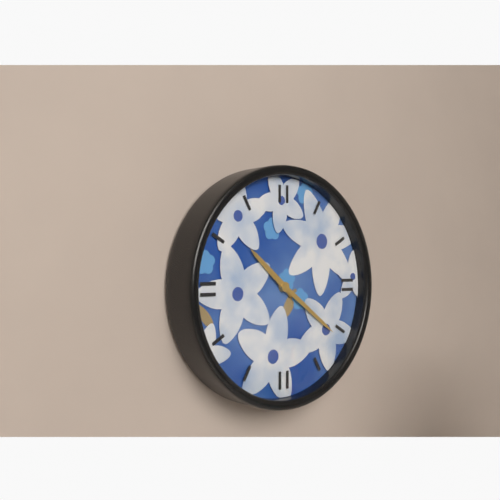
h=10 m=21
